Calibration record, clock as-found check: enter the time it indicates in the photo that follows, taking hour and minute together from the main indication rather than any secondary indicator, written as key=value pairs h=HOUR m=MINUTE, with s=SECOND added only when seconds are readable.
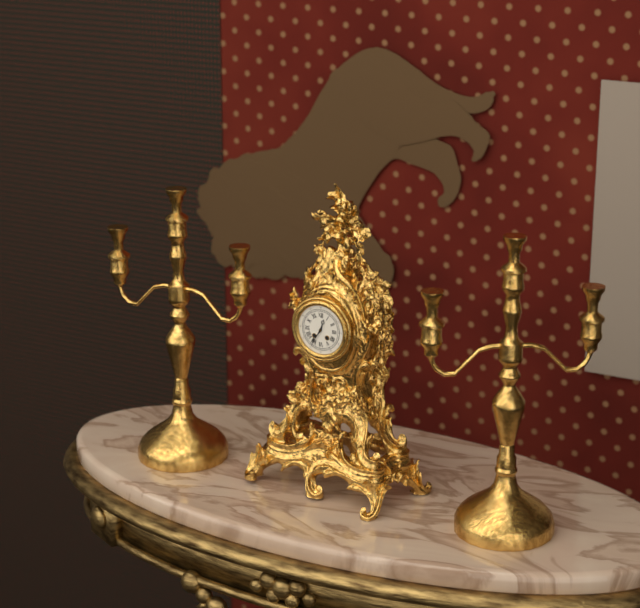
h=12 m=35
